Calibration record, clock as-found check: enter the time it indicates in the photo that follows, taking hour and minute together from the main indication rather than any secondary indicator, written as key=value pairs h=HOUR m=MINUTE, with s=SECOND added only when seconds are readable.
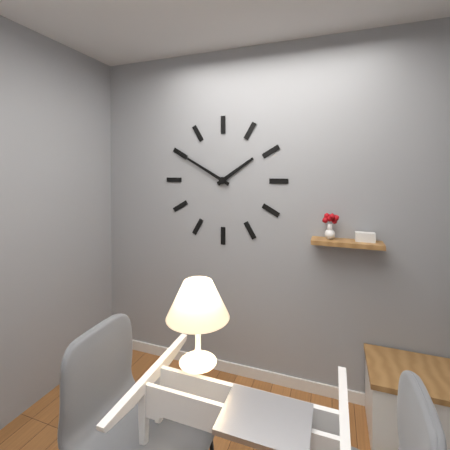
h=1 m=50
